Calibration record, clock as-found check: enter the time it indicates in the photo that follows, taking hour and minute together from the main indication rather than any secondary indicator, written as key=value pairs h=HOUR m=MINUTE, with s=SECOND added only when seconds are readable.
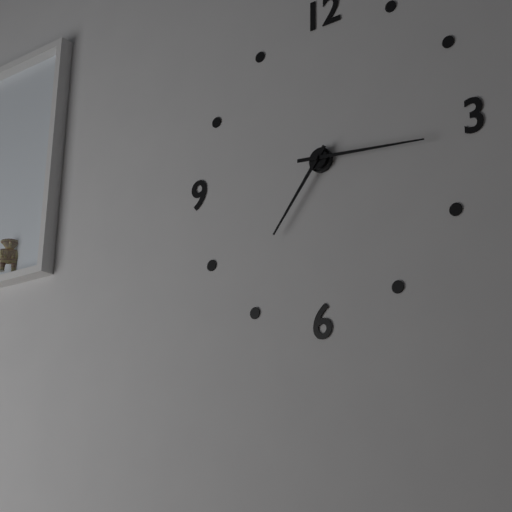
h=7 m=16
